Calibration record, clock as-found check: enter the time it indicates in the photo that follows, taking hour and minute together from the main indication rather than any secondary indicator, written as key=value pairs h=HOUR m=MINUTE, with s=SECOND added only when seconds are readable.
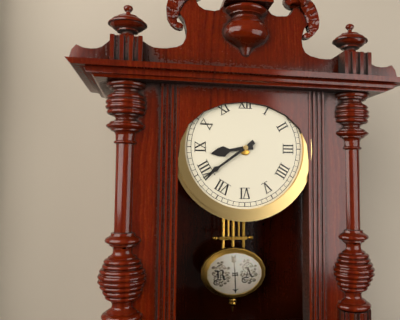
h=8 m=39
